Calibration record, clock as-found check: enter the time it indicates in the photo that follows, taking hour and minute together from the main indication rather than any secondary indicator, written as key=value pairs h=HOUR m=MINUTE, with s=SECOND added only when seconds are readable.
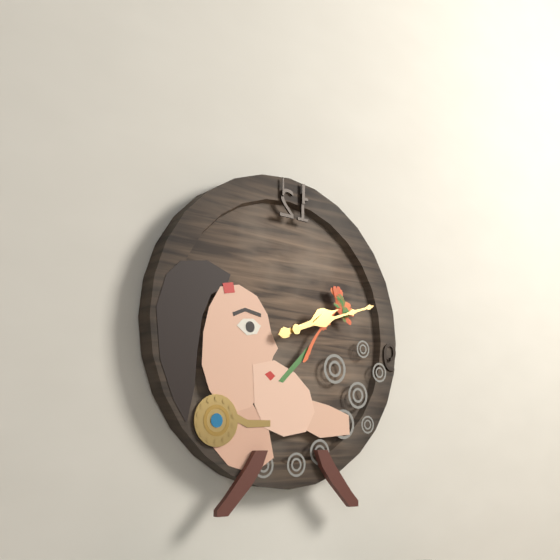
h=2 m=12
